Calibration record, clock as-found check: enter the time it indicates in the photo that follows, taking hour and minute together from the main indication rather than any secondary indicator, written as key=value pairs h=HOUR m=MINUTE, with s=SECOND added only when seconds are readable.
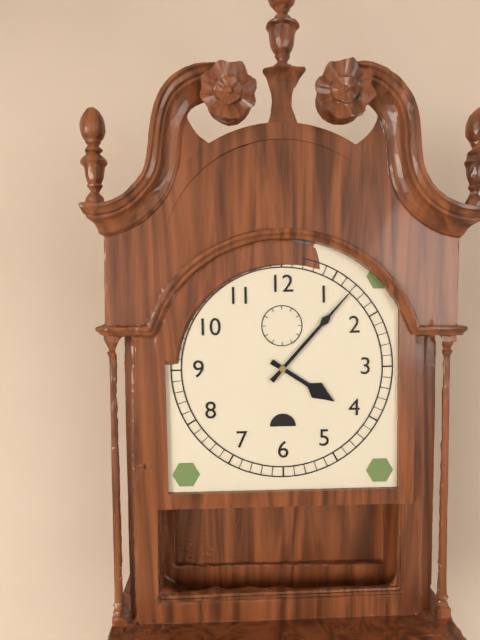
h=4 m=7
